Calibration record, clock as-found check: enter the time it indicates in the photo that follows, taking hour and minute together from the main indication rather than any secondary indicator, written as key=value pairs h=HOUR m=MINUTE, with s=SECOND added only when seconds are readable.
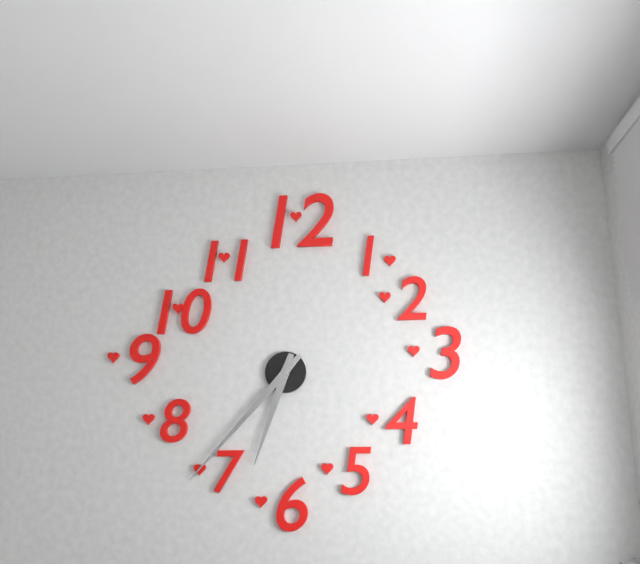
h=6 m=37
